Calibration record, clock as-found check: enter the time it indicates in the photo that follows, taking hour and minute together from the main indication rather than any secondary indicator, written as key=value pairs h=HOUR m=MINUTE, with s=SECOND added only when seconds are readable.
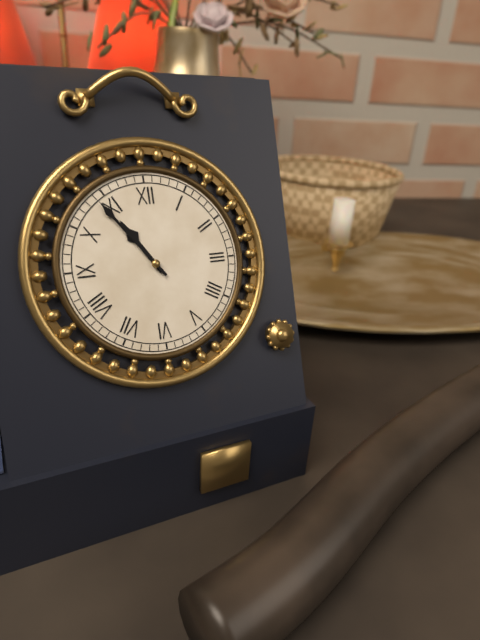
h=10 m=54
